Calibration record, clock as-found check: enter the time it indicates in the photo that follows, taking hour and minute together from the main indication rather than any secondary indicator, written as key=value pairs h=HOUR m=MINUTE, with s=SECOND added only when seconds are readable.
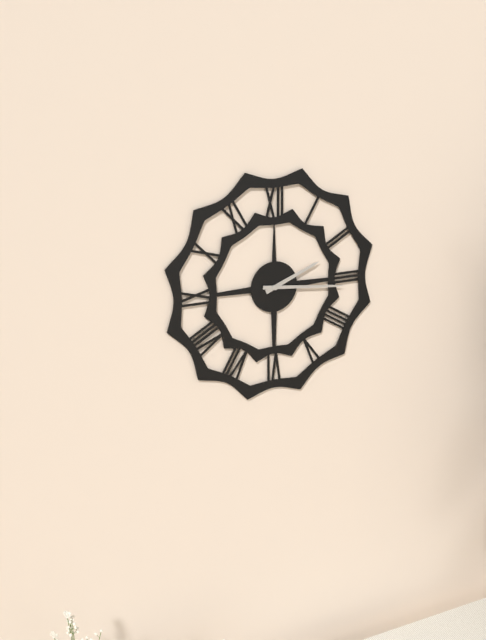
h=2 m=16
